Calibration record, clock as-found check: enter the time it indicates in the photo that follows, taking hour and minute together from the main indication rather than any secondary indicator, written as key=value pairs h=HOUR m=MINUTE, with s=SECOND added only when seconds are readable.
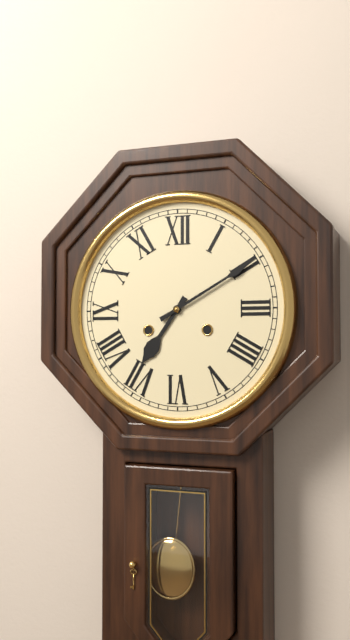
h=7 m=10
